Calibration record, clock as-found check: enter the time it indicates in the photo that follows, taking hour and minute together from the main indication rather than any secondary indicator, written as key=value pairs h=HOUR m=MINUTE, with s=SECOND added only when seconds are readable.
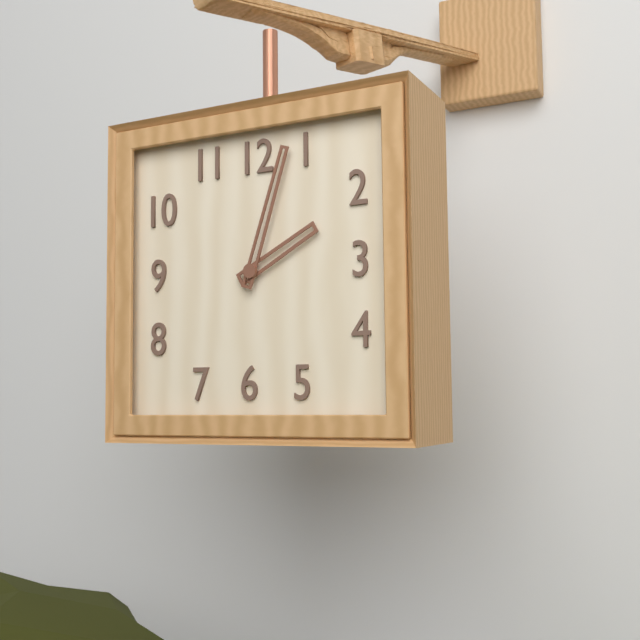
h=2 m=3
